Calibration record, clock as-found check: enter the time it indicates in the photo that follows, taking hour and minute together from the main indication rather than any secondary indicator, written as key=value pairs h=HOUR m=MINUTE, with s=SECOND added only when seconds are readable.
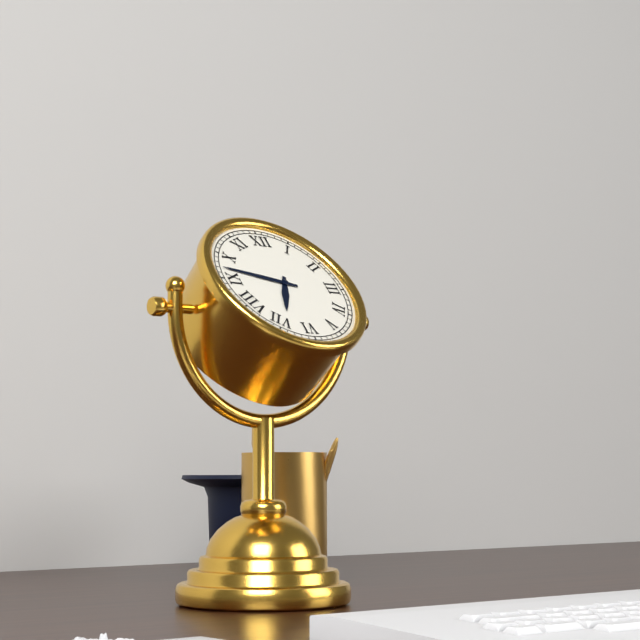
h=6 m=47
